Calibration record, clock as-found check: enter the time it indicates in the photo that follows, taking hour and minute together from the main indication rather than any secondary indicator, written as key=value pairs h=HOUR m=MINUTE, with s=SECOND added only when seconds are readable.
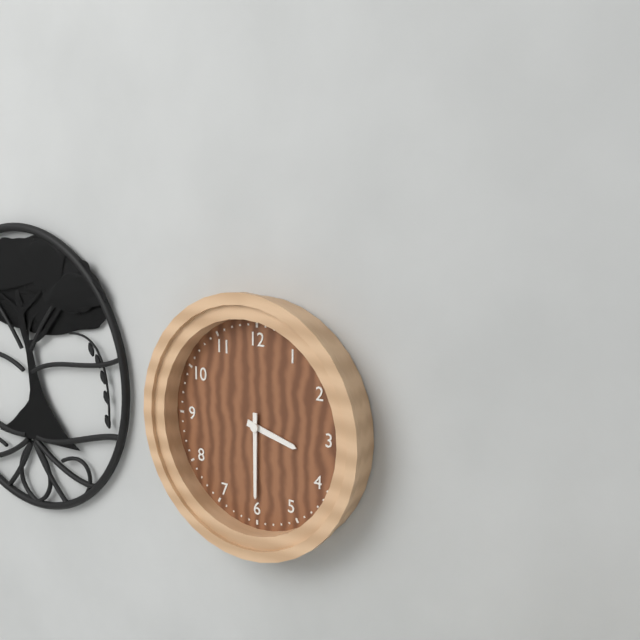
h=3 m=30
